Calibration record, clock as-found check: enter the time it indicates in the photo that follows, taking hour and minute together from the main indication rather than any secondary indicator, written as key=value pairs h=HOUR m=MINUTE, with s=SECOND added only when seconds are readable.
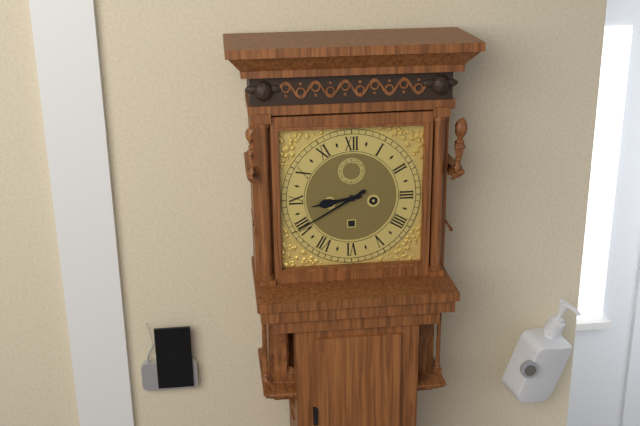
h=8 m=40
